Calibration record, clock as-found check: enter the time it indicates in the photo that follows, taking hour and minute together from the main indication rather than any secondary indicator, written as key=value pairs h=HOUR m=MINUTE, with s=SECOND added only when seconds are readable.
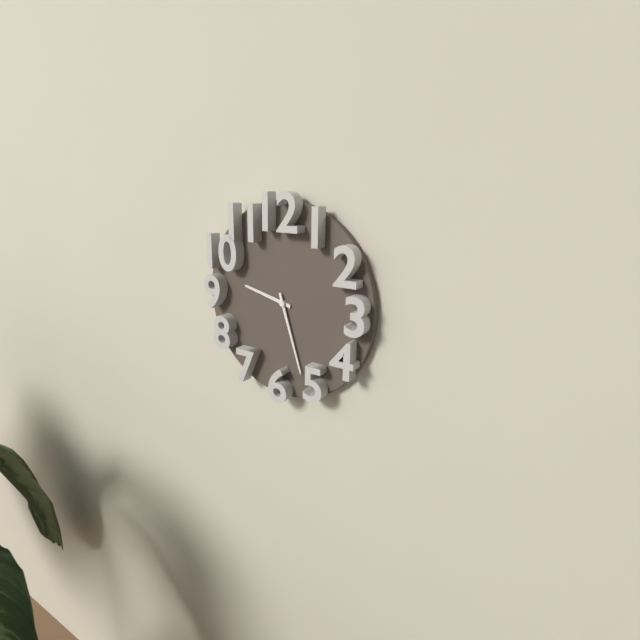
h=9 m=27
